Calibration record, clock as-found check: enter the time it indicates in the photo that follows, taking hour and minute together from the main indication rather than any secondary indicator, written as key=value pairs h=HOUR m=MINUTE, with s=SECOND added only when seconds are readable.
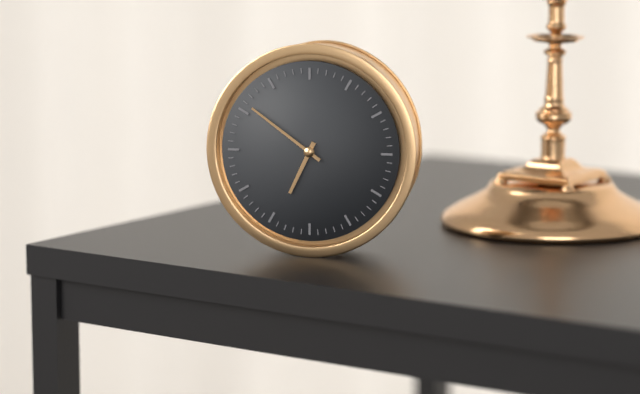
h=6 m=51
